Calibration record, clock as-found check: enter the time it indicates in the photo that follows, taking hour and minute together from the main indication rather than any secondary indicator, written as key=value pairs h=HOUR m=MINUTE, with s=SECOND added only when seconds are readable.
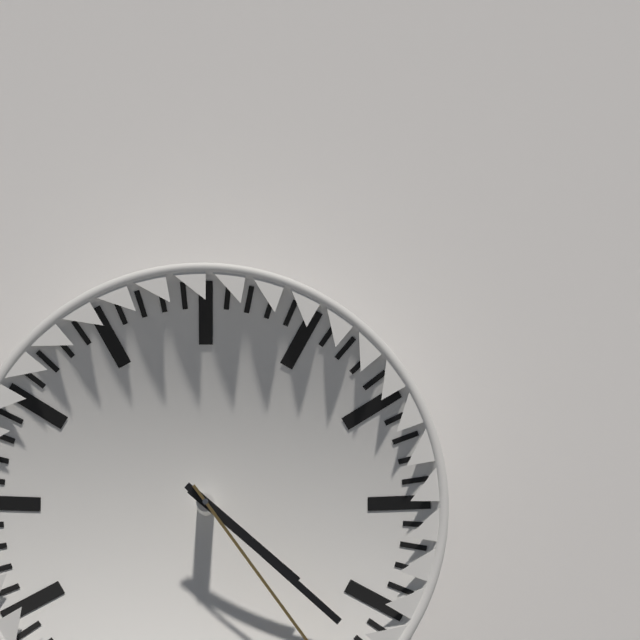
h=4 m=22
